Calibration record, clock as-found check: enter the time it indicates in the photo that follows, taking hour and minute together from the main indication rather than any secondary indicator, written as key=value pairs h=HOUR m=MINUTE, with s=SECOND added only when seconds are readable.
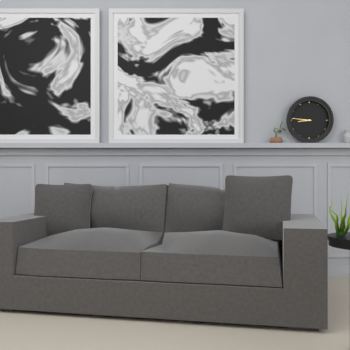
h=8 m=46
